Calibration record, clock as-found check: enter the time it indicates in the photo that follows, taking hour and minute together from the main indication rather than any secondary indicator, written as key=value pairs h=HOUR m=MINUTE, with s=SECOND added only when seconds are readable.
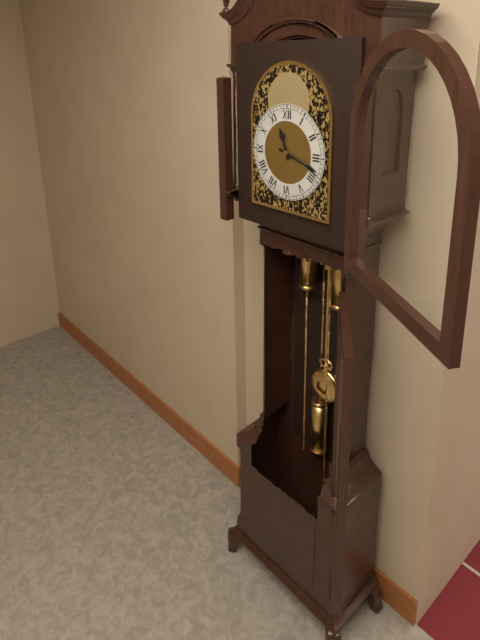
h=11 m=18
